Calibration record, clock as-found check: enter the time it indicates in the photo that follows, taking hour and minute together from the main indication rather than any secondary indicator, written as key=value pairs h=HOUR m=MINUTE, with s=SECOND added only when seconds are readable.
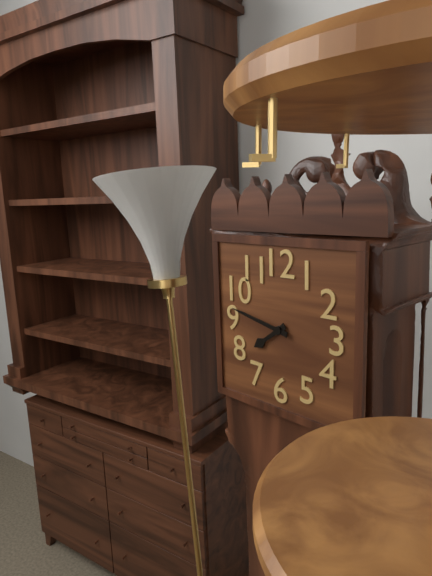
h=7 m=47
